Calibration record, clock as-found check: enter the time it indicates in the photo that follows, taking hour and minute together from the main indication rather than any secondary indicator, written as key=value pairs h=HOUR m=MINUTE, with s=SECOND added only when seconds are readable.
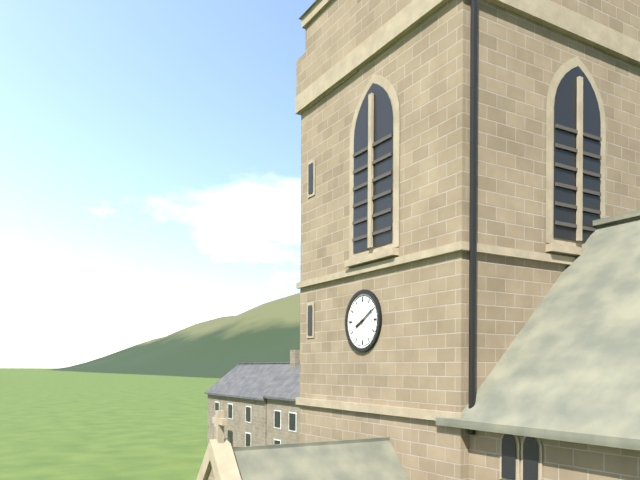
h=8 m=10
